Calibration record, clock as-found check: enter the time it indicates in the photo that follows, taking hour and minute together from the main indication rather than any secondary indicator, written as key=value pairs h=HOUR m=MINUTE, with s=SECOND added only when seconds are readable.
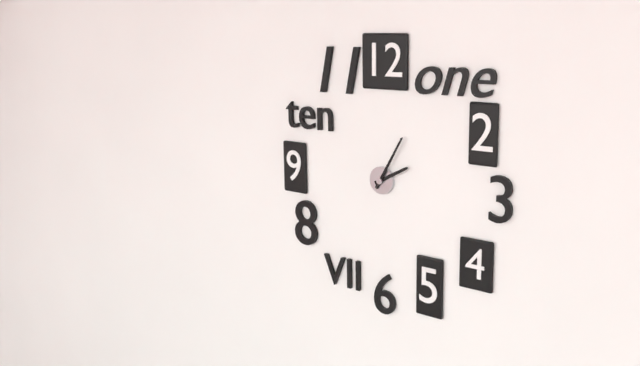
h=2 m=5
